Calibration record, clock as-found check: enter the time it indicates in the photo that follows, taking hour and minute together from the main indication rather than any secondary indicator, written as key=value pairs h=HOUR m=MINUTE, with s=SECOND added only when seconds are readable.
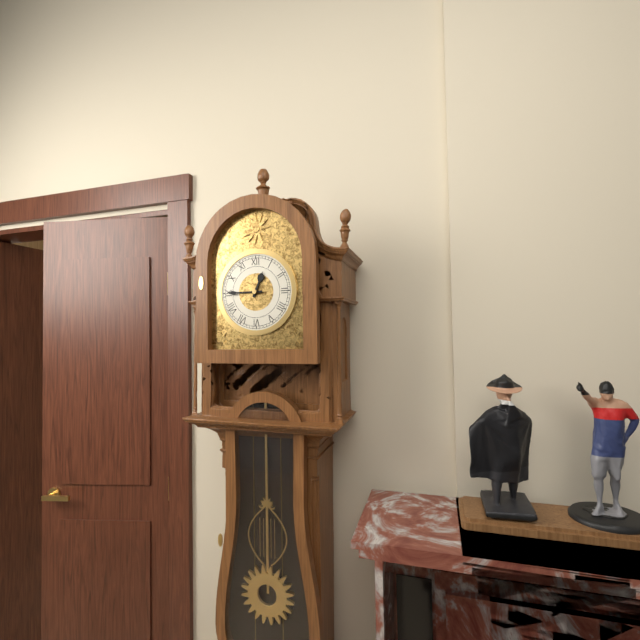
h=12 m=45
